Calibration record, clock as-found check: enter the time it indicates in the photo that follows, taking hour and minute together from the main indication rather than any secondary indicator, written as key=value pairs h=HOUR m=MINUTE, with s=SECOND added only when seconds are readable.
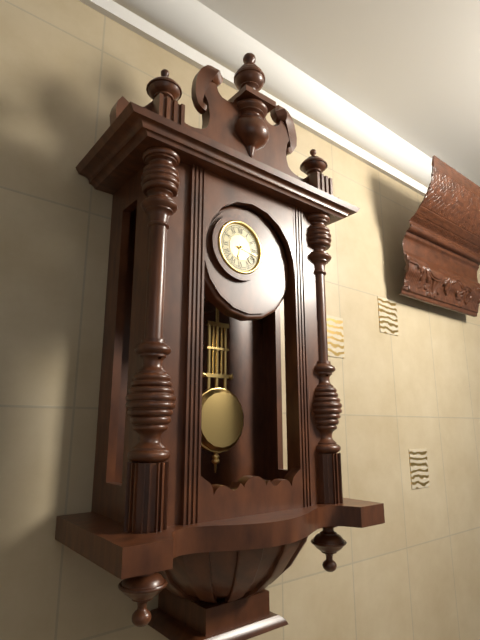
h=6 m=17
